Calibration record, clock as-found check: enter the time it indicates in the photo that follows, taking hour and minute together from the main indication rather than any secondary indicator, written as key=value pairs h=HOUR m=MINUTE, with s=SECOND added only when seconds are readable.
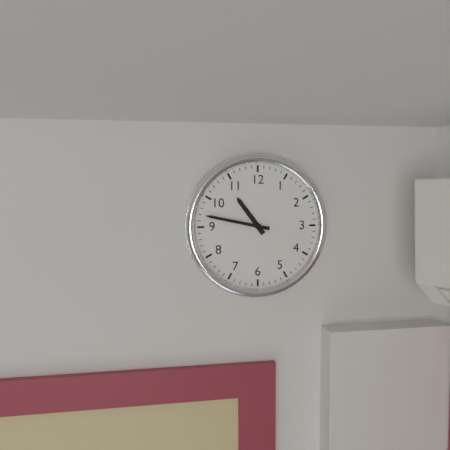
h=10 m=47
